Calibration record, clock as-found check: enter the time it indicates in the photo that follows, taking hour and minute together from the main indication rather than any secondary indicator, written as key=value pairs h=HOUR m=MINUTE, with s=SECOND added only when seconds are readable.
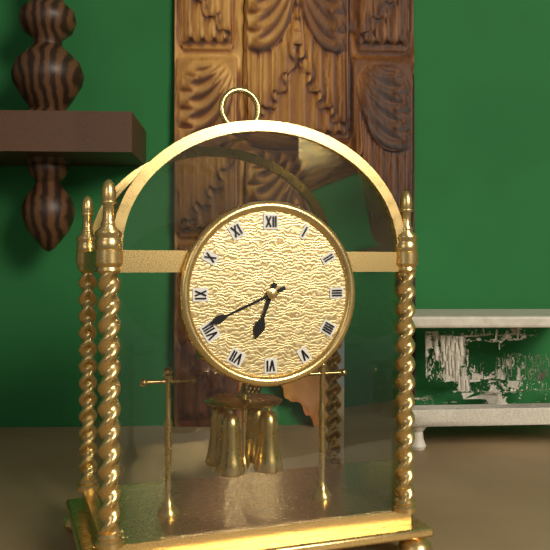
h=6 m=41
